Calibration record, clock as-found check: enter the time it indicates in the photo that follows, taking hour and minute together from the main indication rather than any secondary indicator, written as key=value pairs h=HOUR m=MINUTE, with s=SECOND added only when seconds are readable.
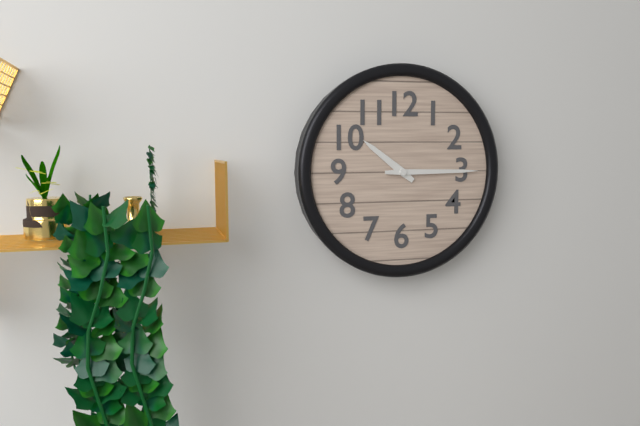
h=10 m=15
